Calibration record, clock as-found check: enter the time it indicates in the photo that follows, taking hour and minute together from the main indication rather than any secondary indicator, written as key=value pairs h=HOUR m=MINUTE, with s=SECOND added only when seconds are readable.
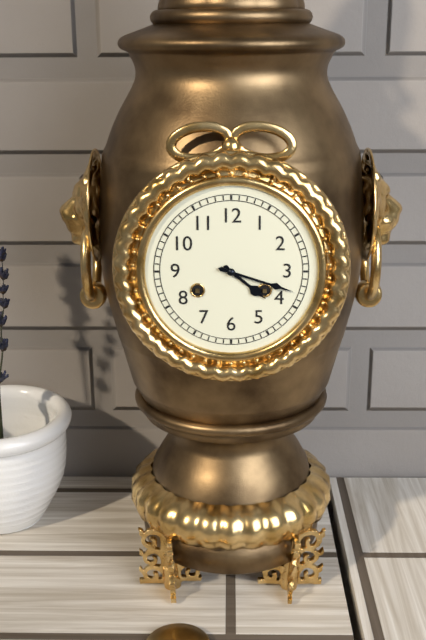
h=4 m=18
